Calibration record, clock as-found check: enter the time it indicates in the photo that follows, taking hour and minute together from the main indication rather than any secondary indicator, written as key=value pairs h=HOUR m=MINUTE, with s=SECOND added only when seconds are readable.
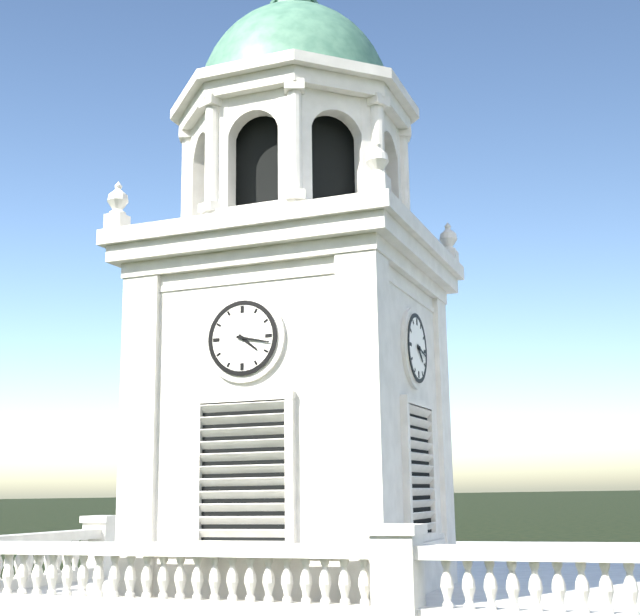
h=4 m=17
